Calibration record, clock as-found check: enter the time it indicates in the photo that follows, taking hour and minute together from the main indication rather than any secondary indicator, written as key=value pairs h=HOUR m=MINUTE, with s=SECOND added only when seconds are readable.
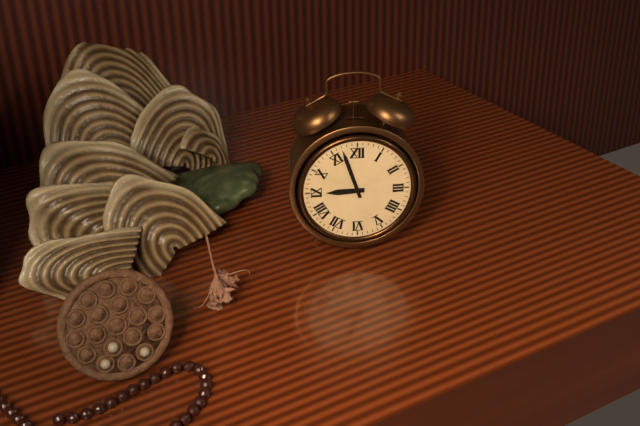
h=8 m=57
